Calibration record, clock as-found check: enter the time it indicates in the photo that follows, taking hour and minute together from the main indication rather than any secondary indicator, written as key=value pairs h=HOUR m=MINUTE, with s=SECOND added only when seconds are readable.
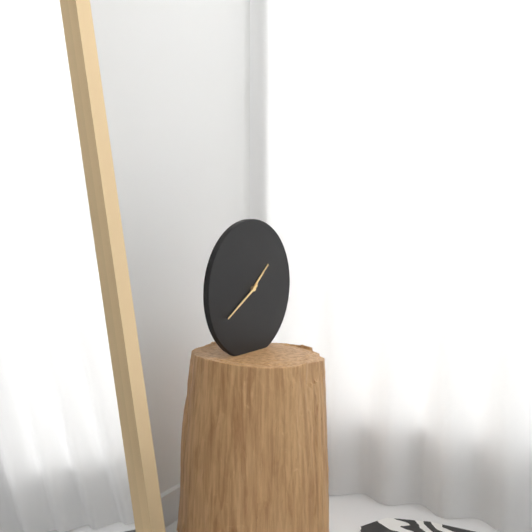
h=1 m=40
